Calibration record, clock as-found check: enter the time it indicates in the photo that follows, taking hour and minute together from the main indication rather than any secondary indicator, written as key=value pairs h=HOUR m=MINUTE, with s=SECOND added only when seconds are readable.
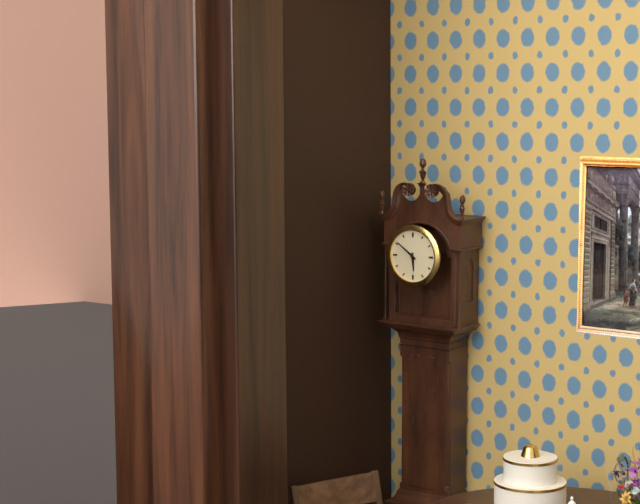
h=5 m=51
